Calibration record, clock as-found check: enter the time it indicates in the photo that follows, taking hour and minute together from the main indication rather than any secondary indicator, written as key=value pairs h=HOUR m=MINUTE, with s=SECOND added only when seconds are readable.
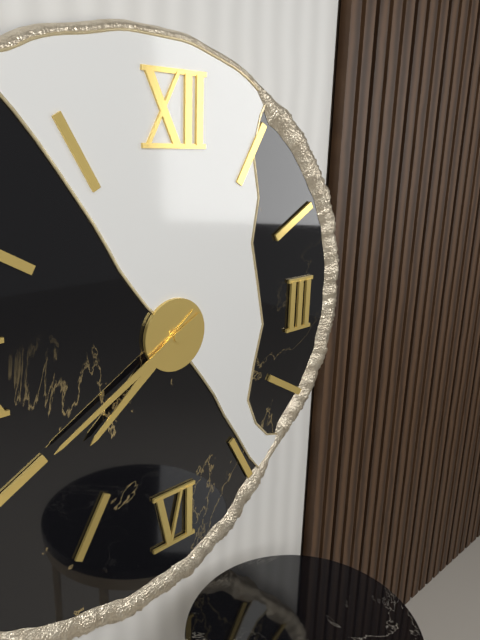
h=7 m=40
